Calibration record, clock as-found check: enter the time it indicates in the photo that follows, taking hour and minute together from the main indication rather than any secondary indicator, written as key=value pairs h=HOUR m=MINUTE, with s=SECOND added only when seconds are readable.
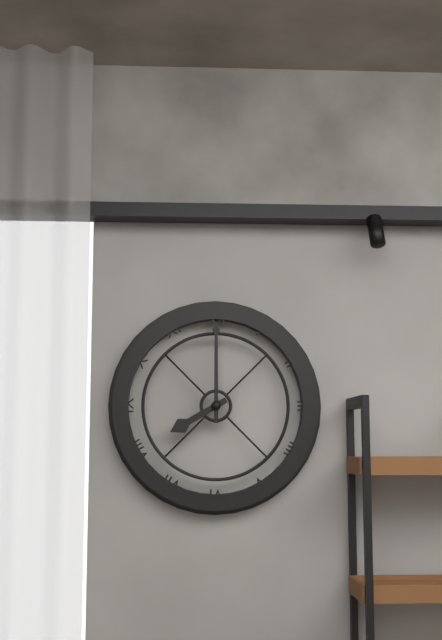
h=8 m=0
